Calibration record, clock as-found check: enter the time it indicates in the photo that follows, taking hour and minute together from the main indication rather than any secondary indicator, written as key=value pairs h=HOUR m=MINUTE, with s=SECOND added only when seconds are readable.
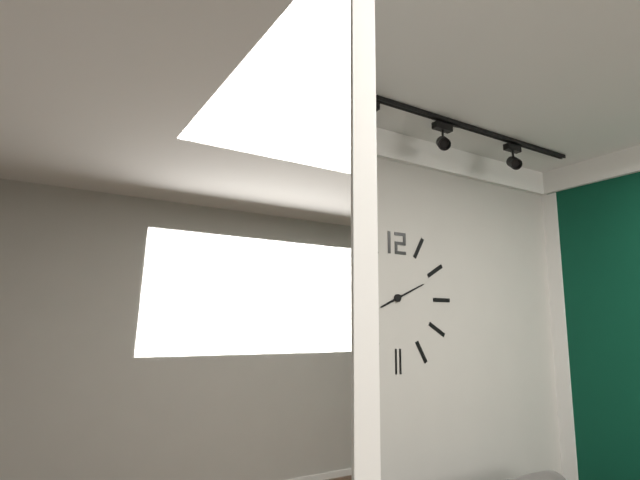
h=8 m=11
